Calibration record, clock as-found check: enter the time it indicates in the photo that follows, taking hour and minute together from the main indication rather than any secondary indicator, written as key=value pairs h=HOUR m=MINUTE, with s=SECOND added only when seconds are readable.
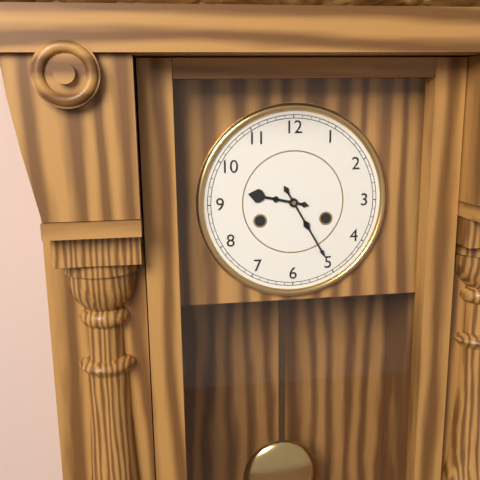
h=9 m=25
